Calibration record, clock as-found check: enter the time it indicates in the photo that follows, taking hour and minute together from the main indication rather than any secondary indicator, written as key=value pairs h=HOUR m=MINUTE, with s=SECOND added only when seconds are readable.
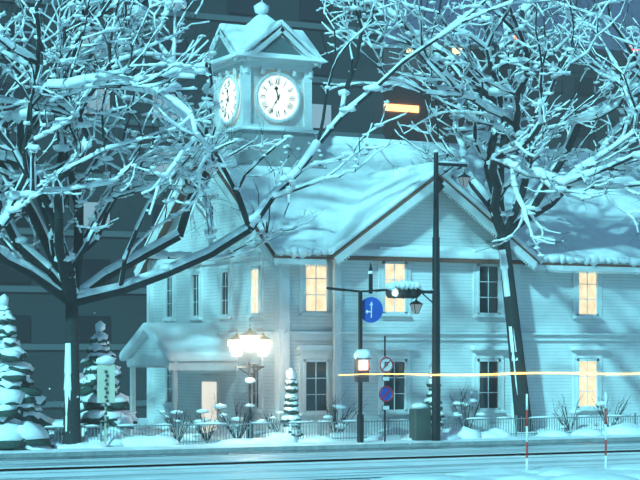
h=11 m=35
